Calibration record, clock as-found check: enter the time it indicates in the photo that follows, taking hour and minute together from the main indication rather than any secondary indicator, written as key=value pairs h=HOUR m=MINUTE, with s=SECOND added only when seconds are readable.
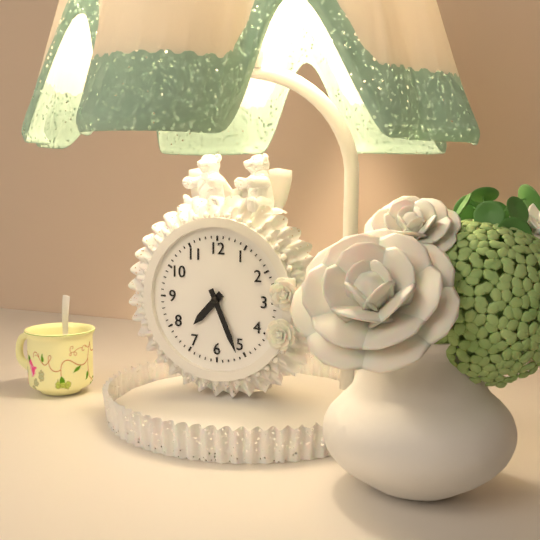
h=7 m=26
